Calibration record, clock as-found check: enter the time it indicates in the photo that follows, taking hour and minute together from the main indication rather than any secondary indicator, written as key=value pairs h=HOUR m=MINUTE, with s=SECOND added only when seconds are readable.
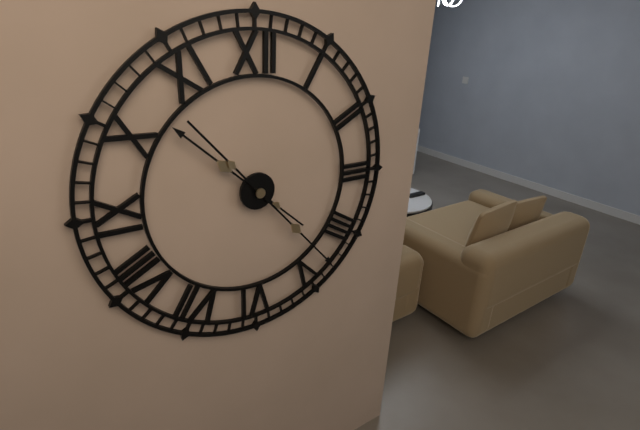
h=10 m=23
